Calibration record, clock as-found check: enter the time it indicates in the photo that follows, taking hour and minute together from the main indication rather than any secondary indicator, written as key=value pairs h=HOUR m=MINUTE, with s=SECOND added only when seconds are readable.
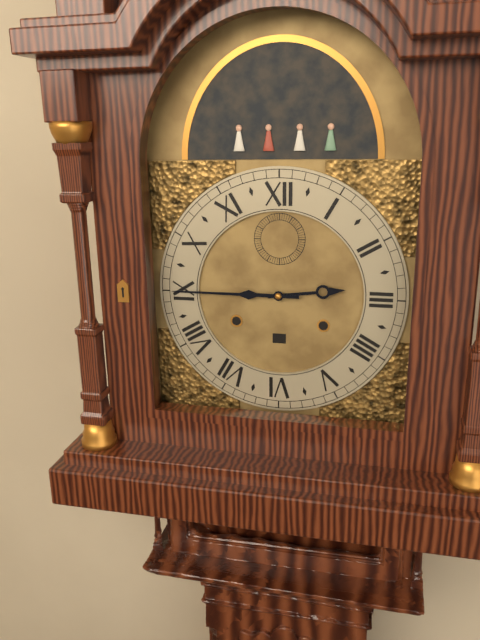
h=2 m=45
